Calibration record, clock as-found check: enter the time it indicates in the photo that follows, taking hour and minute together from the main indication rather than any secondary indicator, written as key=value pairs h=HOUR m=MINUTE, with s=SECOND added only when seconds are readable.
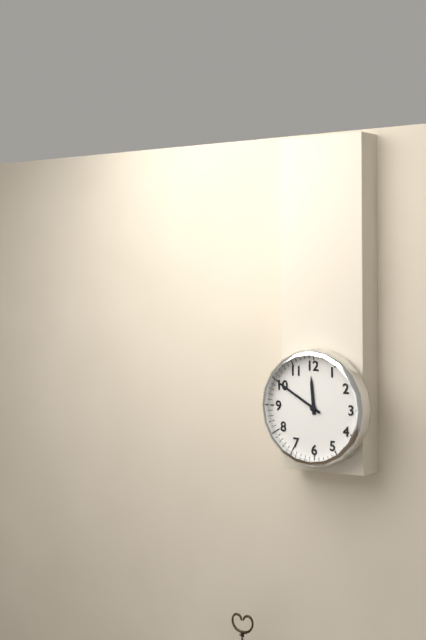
h=11 m=50
